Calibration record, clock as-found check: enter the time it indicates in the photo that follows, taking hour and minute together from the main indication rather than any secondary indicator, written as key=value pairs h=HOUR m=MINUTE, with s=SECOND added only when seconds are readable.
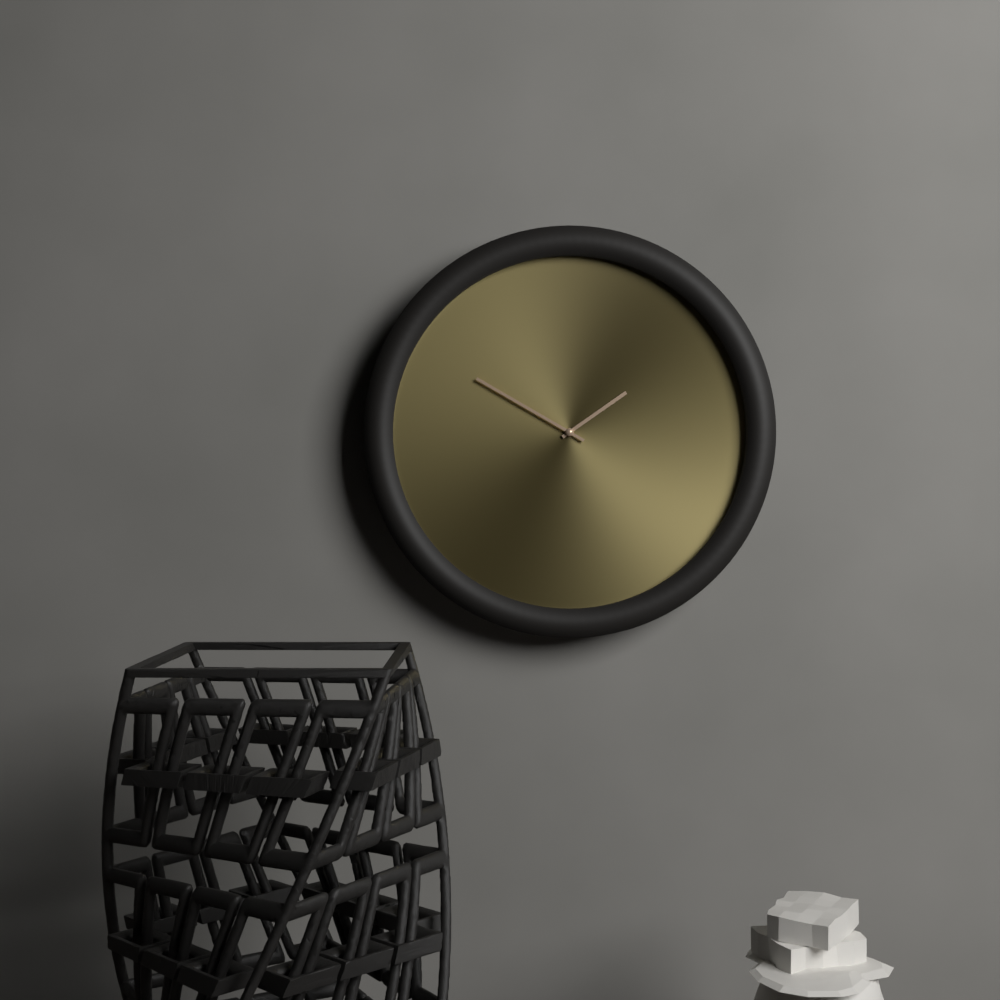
h=1 m=50
